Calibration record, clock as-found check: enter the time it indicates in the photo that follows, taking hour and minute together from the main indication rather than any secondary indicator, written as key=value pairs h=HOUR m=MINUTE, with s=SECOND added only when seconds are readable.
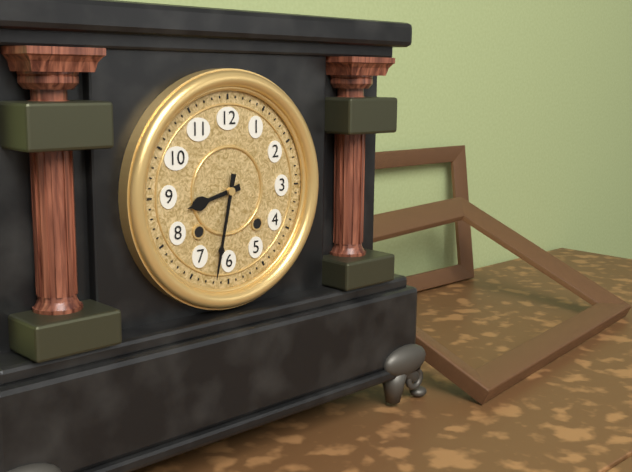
h=8 m=32
